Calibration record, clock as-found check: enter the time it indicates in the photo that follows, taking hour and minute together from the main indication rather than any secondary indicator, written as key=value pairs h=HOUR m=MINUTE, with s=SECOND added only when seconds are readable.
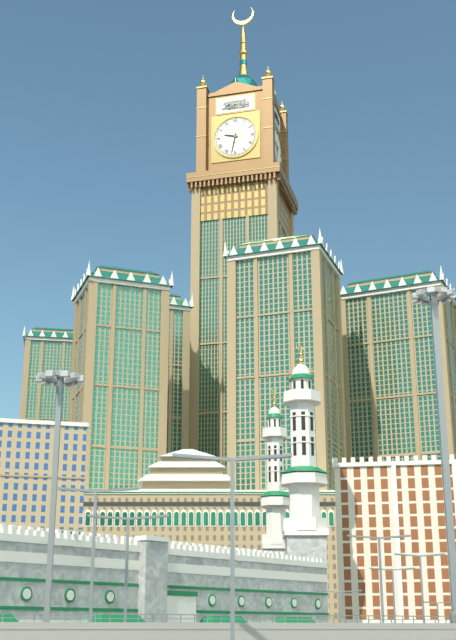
h=9 m=32
